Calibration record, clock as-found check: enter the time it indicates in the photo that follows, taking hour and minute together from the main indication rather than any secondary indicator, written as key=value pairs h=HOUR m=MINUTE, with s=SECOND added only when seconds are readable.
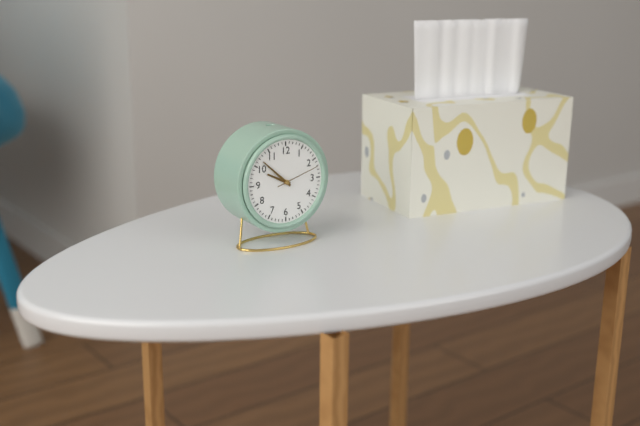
h=9 m=52
